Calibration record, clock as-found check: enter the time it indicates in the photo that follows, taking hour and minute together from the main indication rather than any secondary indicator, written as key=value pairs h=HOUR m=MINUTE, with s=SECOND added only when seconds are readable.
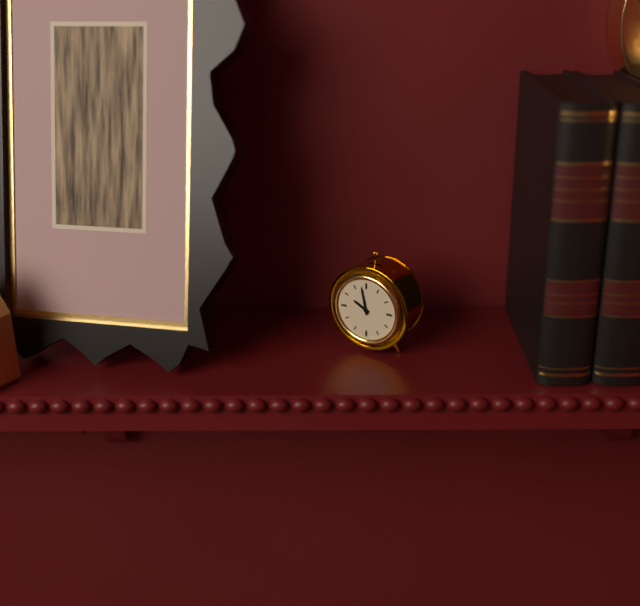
h=9 m=58
